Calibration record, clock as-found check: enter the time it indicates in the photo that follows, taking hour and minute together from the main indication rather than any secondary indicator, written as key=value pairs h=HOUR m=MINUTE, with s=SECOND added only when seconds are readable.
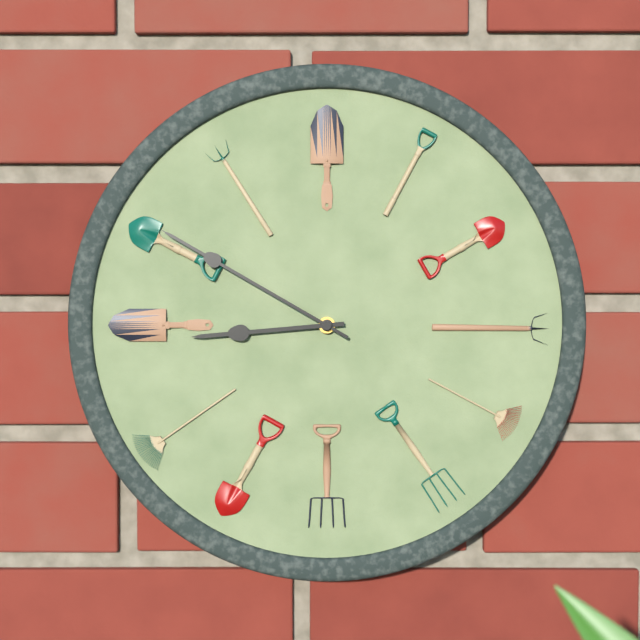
h=8 m=50
